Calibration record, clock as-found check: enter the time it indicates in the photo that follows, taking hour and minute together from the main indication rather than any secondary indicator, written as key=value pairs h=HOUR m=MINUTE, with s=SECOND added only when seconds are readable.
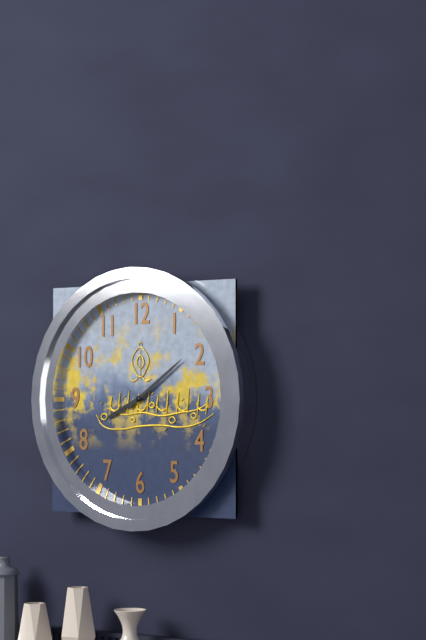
h=8 m=9
